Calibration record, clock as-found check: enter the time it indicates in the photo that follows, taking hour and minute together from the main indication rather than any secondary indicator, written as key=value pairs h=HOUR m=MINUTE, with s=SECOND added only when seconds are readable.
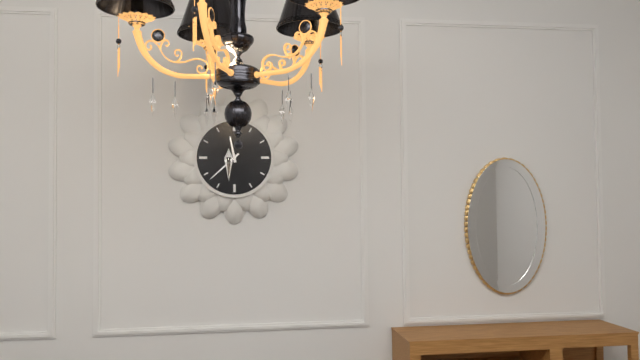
h=11 m=38
